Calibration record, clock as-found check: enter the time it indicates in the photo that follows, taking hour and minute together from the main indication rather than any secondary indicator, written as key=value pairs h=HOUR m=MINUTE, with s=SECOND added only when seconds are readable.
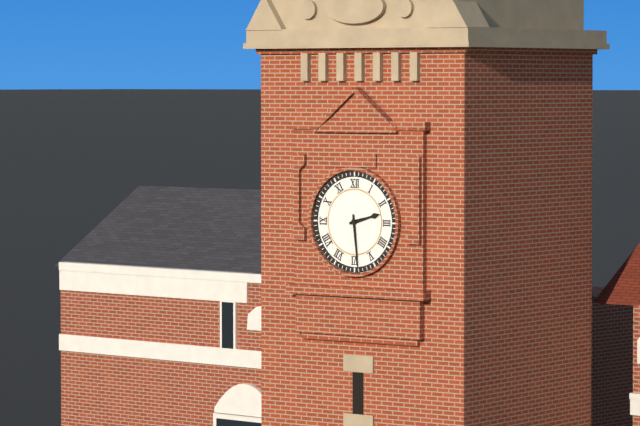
h=2 m=29
